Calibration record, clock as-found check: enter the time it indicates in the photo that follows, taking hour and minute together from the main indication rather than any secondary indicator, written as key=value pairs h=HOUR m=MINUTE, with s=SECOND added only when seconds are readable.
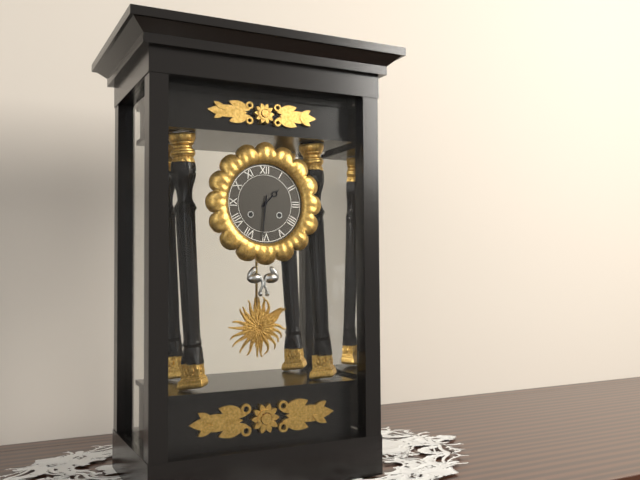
h=1 m=31
